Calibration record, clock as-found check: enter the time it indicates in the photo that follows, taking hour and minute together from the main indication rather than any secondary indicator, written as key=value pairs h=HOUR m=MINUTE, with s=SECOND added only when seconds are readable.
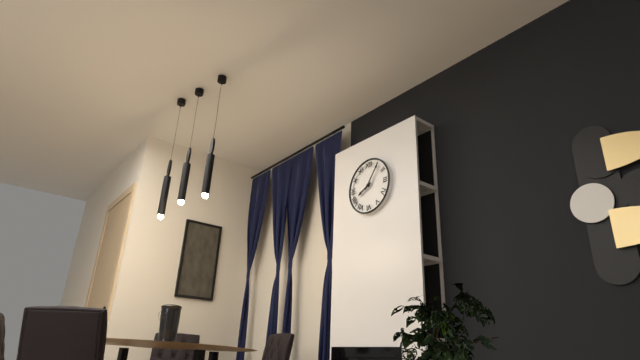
h=8 m=6
